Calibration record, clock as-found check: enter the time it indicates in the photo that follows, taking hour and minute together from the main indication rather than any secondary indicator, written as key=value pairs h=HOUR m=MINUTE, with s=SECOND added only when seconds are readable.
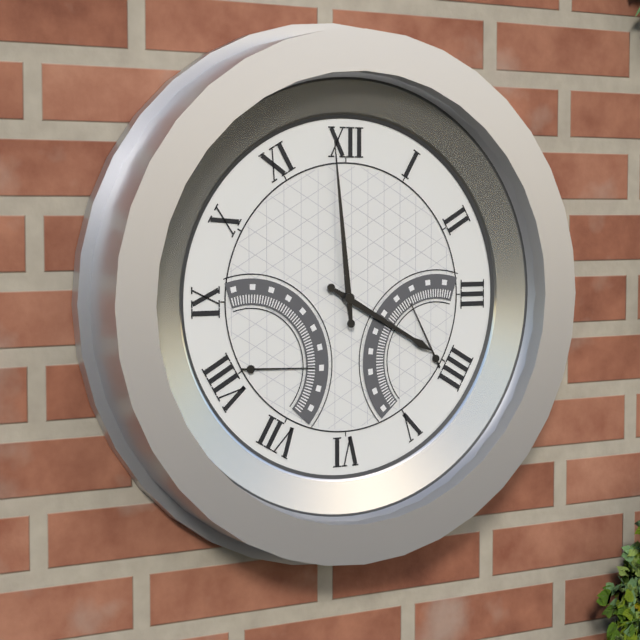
h=3 m=59
